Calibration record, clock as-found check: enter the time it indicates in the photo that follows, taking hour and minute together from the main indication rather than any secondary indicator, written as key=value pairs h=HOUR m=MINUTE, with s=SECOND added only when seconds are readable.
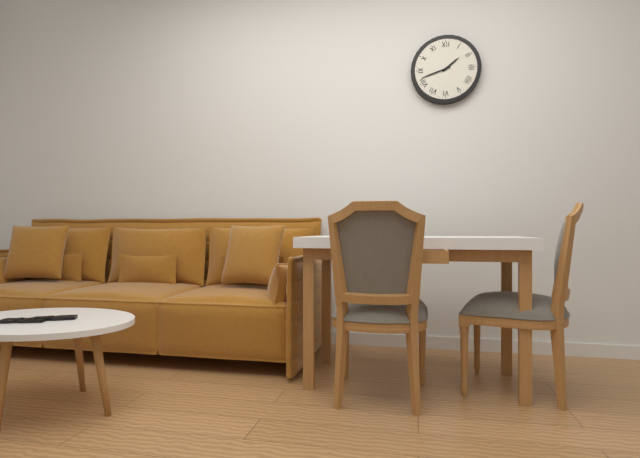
h=1 m=42
